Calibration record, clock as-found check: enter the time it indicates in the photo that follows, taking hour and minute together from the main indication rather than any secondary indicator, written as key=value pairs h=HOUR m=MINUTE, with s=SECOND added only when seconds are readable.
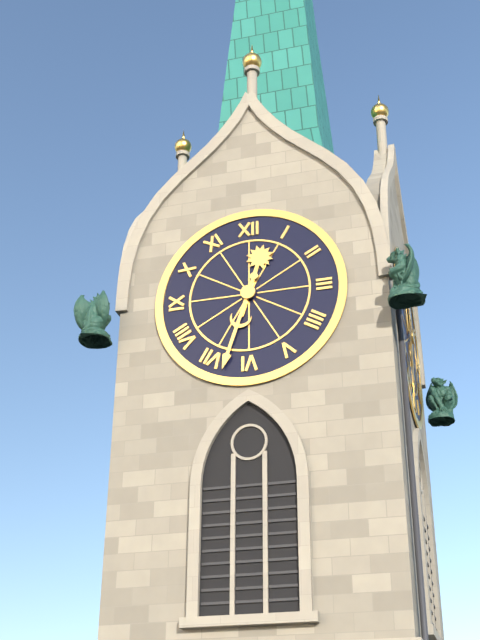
h=12 m=33
